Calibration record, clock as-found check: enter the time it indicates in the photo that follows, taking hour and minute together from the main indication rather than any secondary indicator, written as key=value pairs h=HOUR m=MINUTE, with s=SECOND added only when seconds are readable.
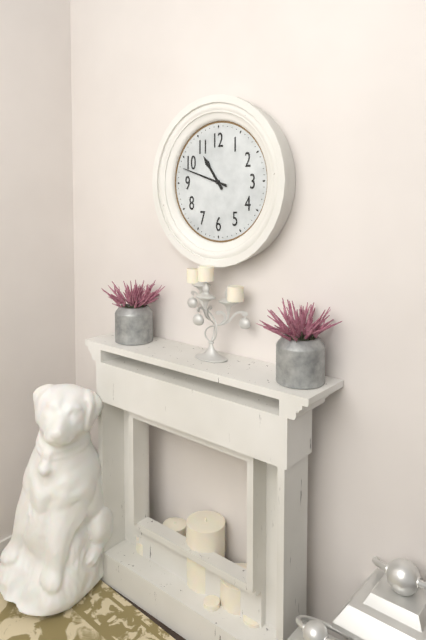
h=10 m=48
